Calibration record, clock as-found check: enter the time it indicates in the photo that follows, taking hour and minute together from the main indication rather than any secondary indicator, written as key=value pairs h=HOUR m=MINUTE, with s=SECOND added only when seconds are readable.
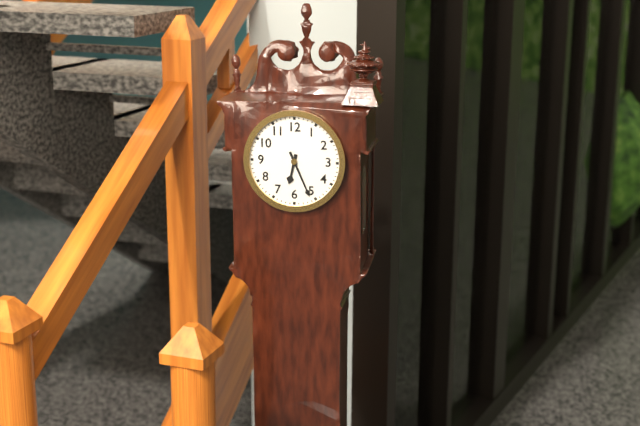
h=6 m=26
